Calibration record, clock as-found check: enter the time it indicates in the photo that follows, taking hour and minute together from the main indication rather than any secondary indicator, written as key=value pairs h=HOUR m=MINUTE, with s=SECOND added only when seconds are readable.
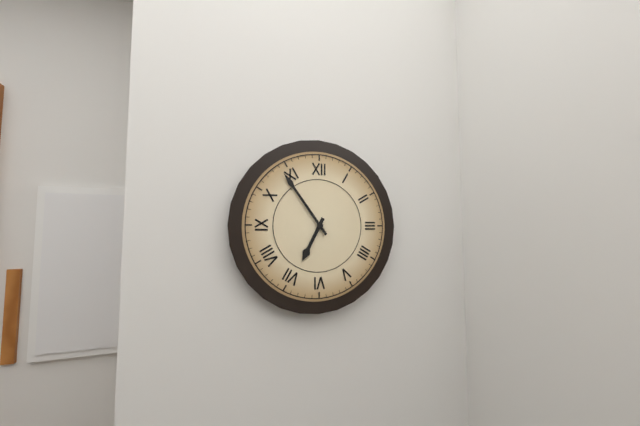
h=6 m=54
